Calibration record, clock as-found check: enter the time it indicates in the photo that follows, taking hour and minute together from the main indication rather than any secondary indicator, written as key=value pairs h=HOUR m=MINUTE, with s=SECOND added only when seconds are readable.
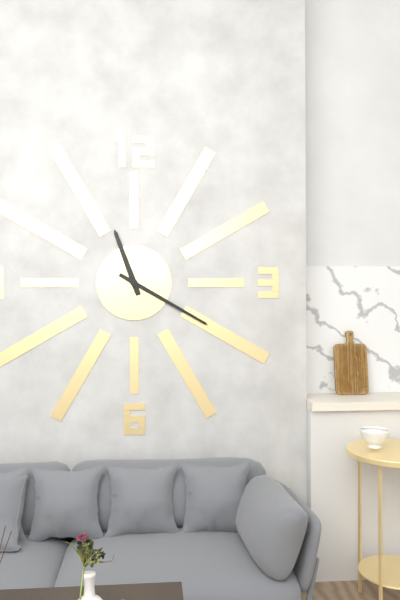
h=11 m=20
